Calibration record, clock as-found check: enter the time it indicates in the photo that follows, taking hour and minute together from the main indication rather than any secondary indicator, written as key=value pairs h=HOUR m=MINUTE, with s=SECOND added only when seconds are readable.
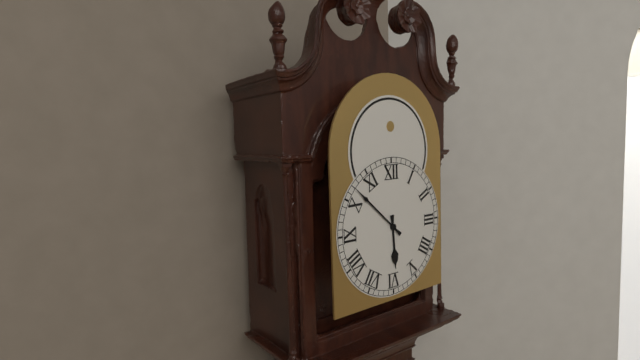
h=5 m=52
